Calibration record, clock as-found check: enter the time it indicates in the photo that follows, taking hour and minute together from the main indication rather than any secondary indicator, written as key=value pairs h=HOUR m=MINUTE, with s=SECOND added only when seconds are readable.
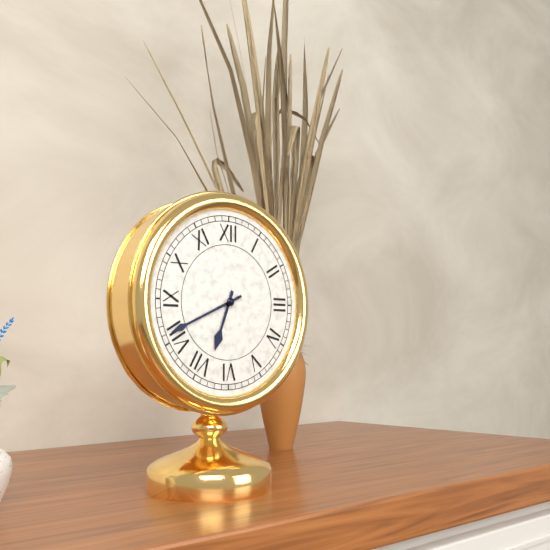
h=6 m=41
